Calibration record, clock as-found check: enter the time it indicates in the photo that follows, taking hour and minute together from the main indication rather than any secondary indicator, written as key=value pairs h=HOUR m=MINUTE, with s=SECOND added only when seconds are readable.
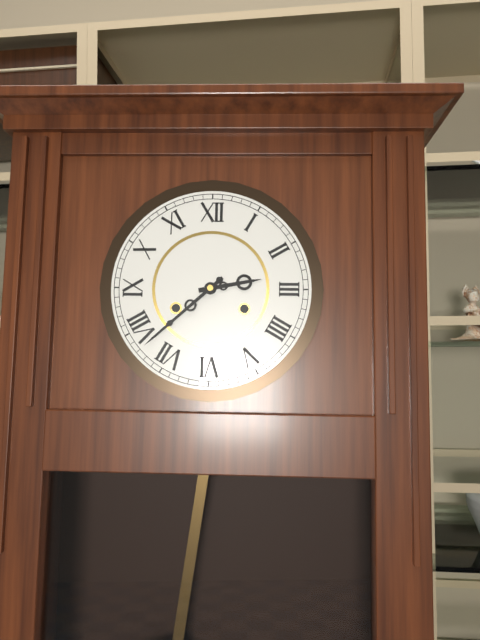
h=2 m=38
